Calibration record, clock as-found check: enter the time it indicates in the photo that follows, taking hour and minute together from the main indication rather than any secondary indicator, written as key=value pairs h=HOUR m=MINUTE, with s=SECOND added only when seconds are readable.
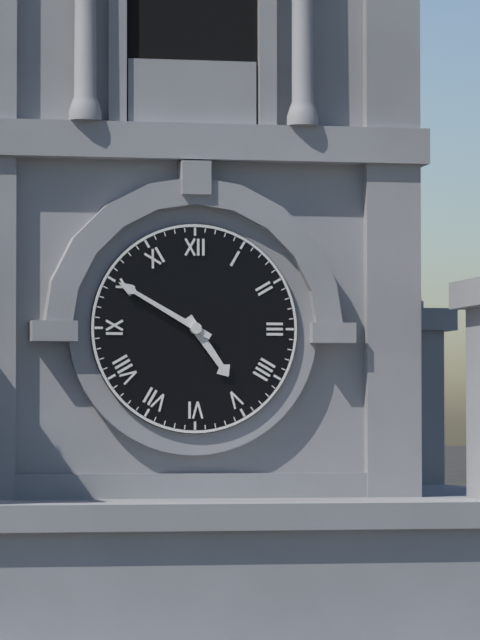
h=4 m=50
